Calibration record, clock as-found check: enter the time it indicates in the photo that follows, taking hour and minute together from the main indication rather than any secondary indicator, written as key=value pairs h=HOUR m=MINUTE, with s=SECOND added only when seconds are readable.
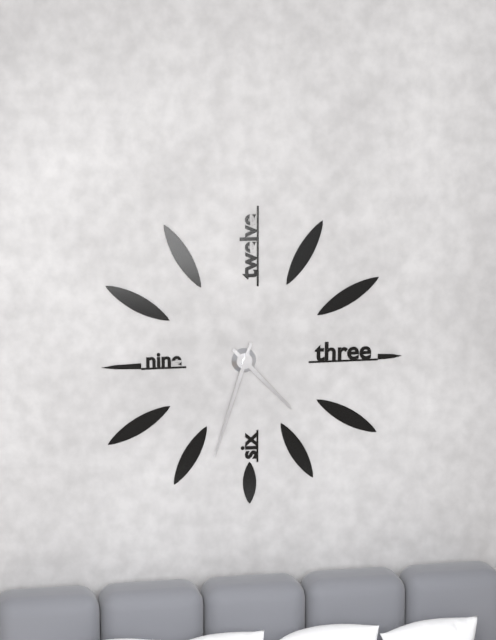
h=4 m=33
